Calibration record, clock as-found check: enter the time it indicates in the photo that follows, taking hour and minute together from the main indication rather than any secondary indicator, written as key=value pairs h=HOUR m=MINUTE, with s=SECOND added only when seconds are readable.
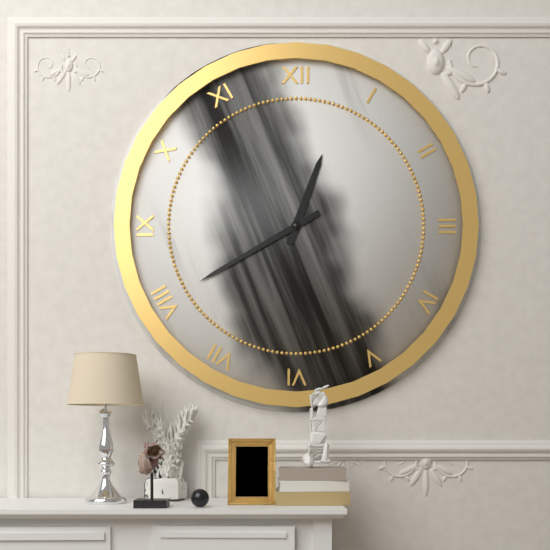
h=12 m=40
